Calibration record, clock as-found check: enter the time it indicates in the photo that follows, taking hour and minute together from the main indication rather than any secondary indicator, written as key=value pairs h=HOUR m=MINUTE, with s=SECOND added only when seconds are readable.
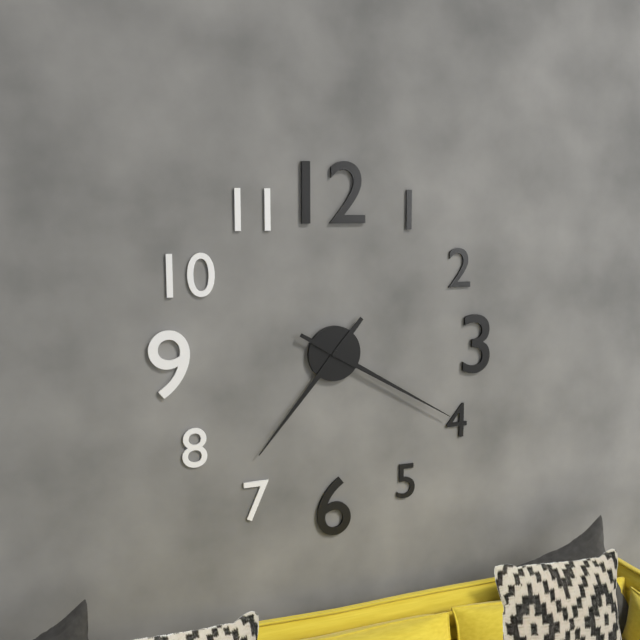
h=7 m=20
